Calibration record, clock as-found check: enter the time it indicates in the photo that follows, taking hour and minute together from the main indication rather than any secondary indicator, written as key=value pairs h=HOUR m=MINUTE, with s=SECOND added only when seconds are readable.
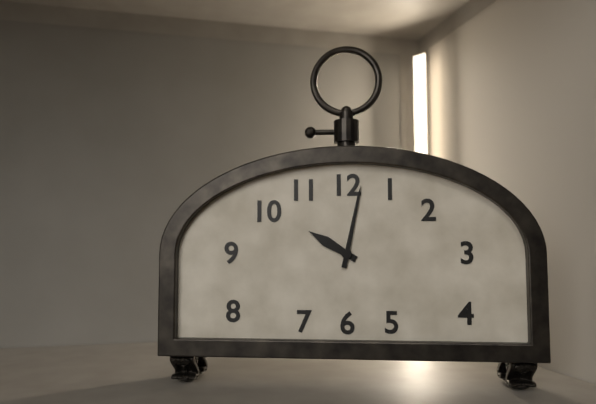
h=10 m=2
